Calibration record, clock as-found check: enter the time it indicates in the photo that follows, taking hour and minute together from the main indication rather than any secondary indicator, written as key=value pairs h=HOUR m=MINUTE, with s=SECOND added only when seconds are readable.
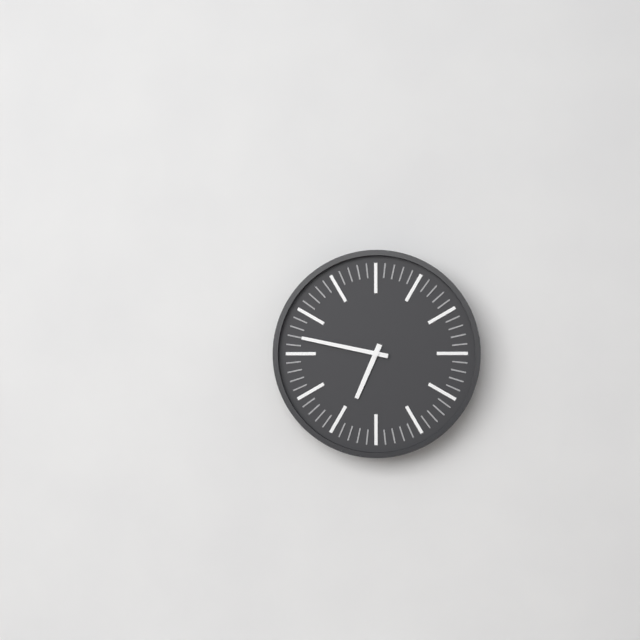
h=6 m=47
